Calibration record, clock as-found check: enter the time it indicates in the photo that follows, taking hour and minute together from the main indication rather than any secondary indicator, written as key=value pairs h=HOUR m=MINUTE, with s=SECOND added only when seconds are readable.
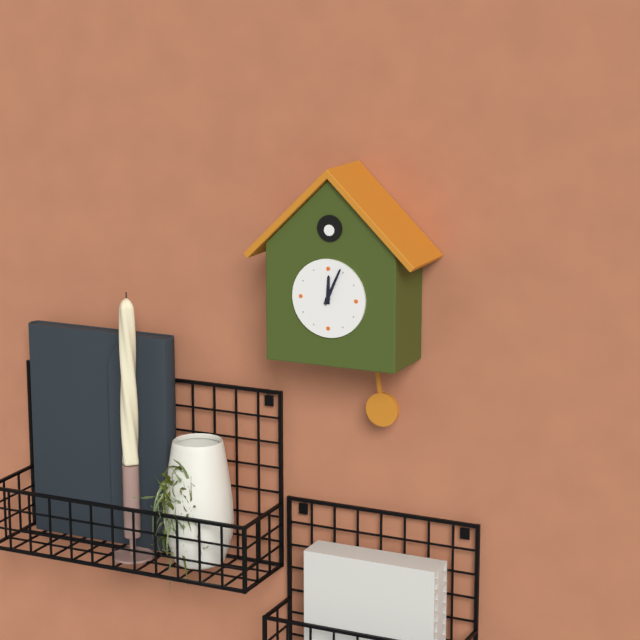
h=12 m=4
